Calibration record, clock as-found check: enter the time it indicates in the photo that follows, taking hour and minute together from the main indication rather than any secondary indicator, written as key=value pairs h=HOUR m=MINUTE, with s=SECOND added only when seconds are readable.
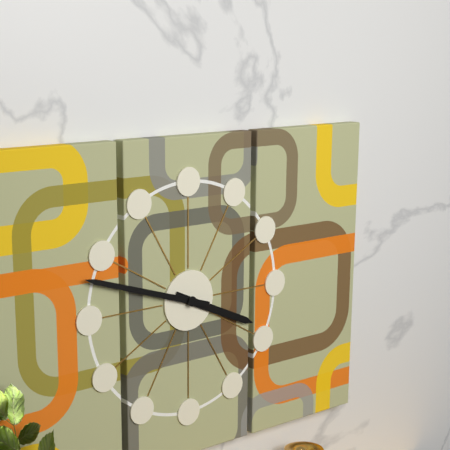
h=3 m=48
